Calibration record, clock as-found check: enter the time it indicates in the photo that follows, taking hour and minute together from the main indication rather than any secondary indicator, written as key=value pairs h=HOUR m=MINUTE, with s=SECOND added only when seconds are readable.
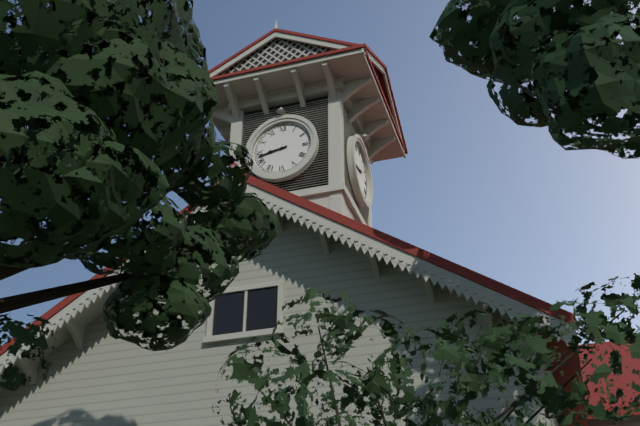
h=8 m=43
